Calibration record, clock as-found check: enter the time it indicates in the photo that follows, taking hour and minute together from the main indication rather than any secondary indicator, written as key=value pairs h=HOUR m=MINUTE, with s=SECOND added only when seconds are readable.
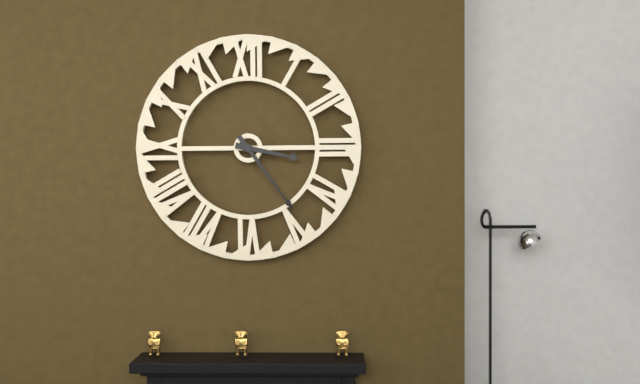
h=3 m=24
